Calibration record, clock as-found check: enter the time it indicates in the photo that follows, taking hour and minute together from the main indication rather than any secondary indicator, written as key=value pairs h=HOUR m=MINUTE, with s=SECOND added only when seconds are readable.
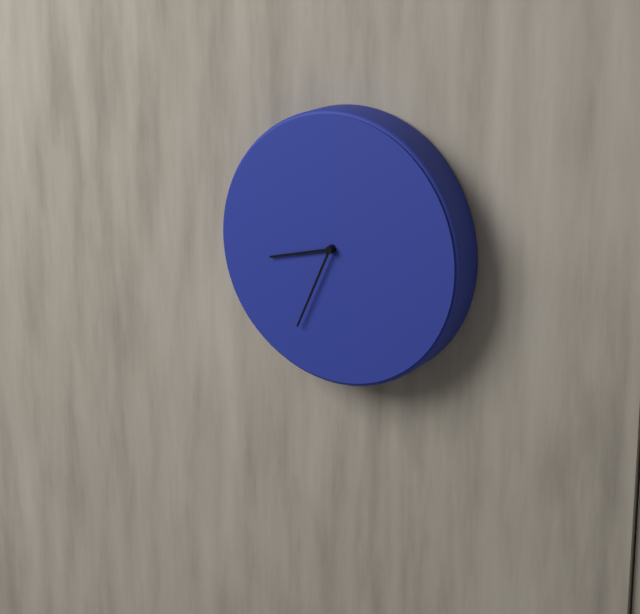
h=8 m=34
